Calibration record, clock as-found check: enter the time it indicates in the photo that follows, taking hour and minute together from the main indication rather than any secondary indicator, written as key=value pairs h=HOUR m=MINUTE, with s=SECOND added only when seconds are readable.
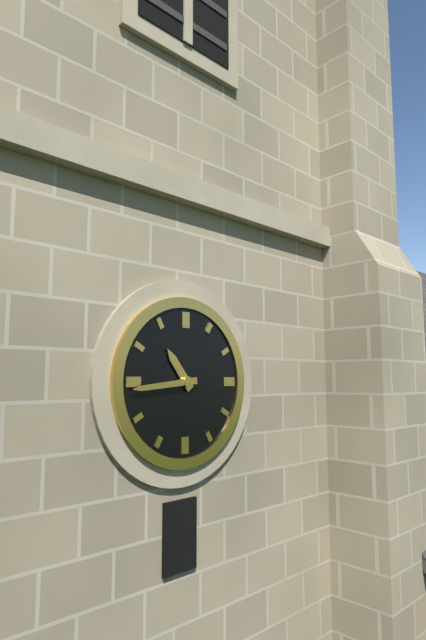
h=10 m=44
